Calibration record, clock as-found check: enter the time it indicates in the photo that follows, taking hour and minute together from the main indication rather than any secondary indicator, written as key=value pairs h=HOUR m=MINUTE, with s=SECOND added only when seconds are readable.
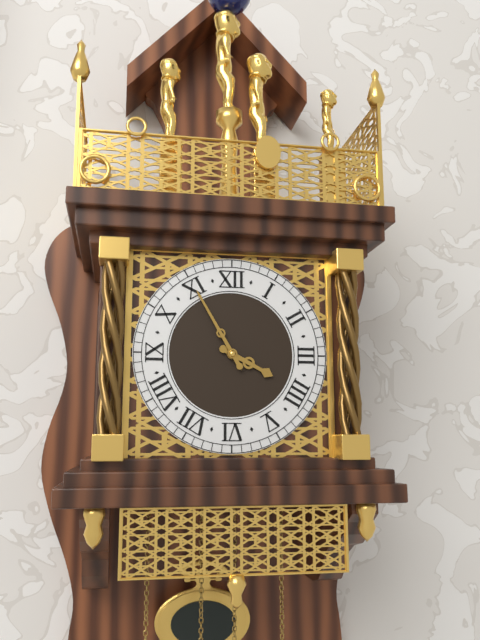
h=3 m=55
